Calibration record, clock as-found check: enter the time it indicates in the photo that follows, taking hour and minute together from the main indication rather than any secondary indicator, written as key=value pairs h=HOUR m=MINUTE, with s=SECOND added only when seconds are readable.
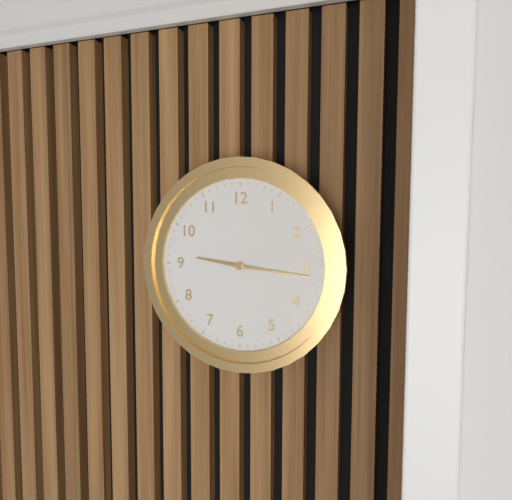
h=9 m=16
